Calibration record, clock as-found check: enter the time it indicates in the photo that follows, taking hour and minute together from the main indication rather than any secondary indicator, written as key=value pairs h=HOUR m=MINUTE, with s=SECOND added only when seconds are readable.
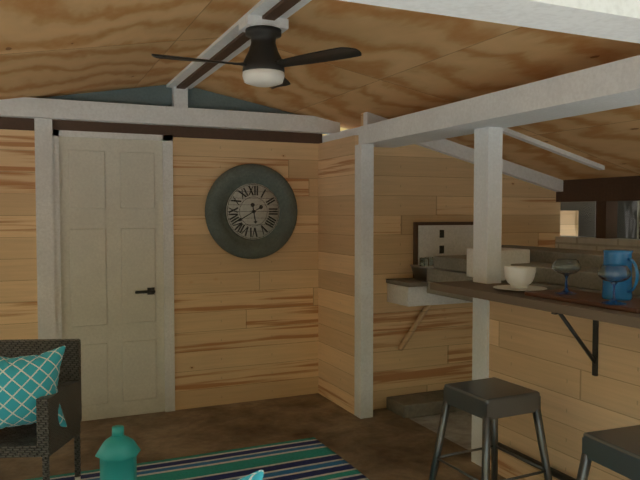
h=5 m=40
